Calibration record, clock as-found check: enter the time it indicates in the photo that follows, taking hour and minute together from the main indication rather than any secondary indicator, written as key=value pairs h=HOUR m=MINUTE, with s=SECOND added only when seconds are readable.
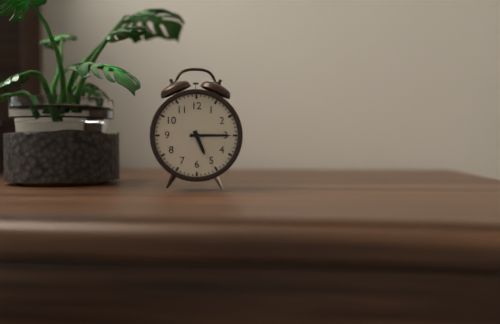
h=5 m=15
